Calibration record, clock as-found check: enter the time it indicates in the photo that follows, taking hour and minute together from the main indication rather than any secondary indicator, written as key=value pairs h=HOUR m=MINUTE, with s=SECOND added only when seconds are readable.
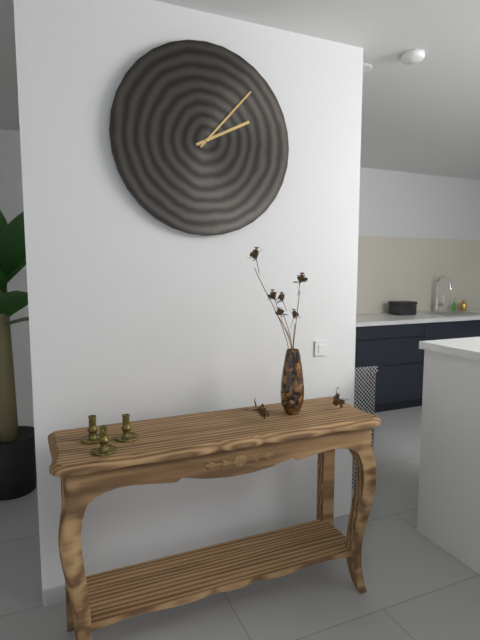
h=2 m=7
